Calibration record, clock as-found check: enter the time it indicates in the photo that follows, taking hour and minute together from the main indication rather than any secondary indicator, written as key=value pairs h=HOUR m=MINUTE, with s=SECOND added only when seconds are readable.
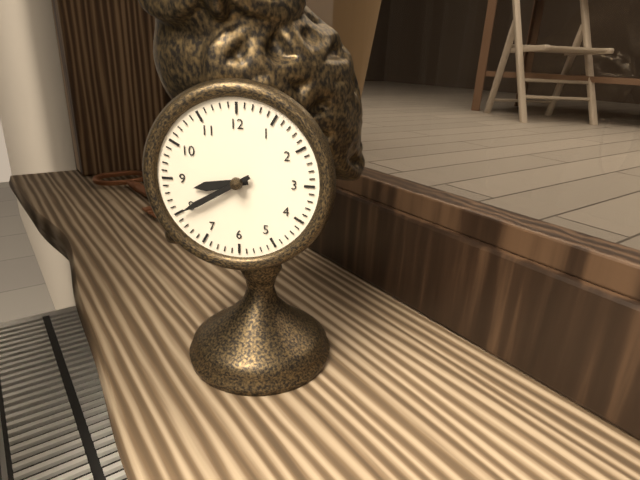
h=8 m=40
